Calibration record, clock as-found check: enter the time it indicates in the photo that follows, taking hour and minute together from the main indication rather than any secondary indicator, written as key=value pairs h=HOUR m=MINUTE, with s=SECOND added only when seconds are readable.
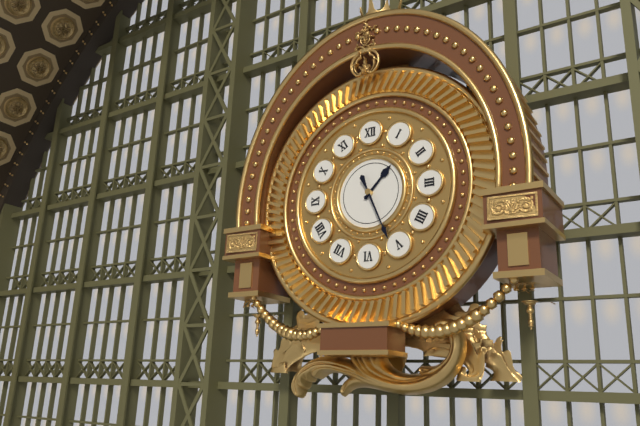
h=1 m=26
